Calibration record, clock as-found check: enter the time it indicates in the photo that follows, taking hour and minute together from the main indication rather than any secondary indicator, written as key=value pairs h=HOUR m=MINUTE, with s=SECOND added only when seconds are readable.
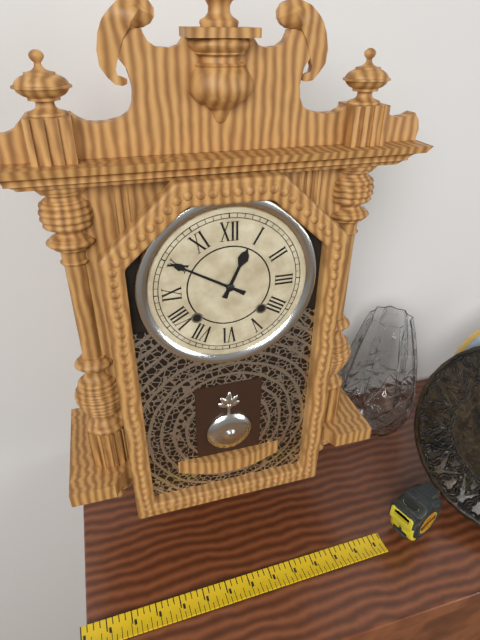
h=12 m=50
